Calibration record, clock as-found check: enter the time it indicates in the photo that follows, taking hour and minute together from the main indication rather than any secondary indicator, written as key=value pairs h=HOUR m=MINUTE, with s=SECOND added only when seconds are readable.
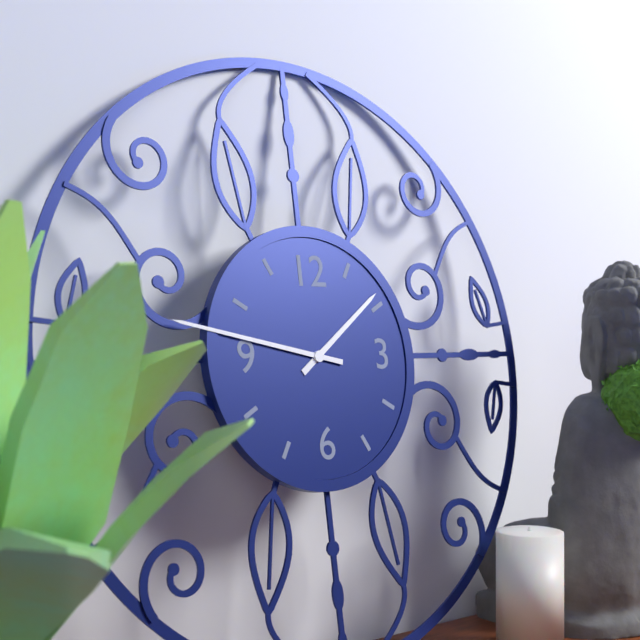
h=1 m=47
